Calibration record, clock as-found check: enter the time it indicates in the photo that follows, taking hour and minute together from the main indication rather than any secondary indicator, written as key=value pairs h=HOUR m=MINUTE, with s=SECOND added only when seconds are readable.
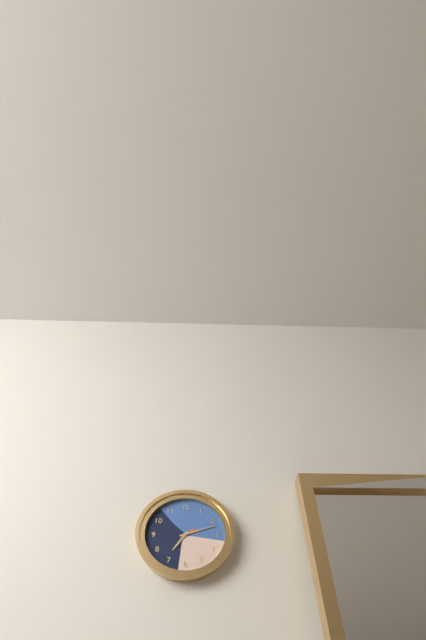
h=7 m=12
